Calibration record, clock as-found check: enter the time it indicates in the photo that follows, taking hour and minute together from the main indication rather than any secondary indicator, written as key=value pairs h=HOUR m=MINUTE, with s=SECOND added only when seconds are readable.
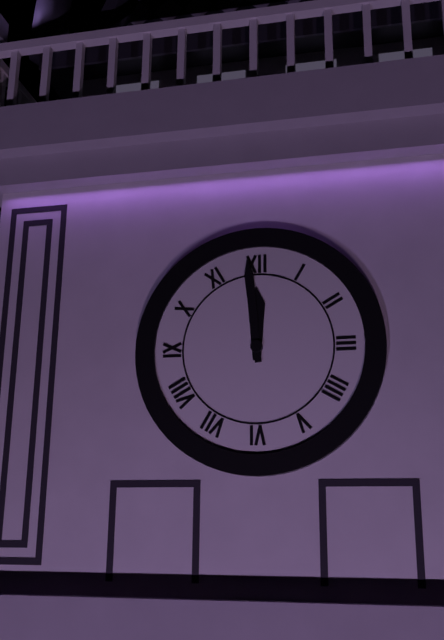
h=11 m=59
